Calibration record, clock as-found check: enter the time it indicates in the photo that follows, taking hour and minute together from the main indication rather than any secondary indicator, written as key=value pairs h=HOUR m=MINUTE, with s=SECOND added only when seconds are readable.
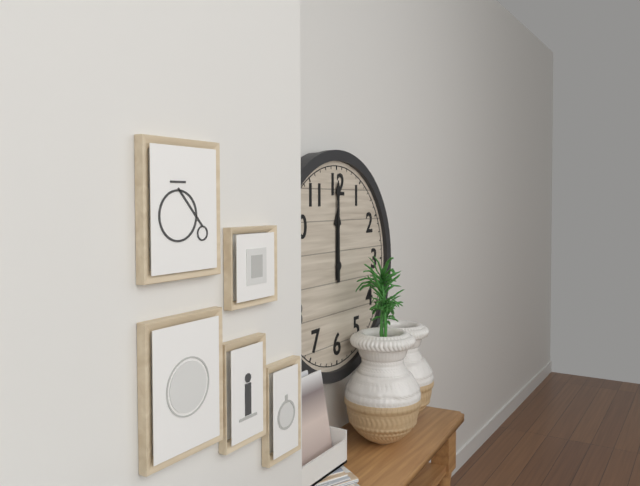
h=12 m=0
